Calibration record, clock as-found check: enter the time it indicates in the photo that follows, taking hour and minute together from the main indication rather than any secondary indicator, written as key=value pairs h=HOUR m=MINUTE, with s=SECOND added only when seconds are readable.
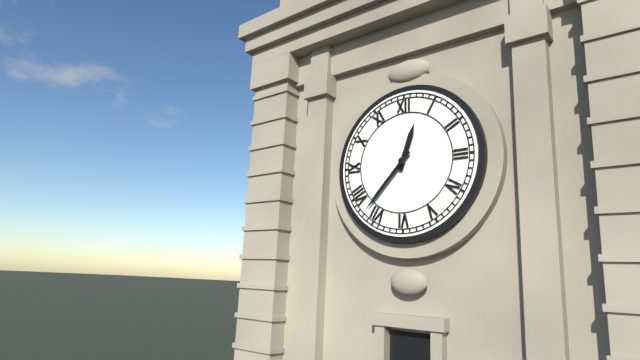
h=12 m=37
